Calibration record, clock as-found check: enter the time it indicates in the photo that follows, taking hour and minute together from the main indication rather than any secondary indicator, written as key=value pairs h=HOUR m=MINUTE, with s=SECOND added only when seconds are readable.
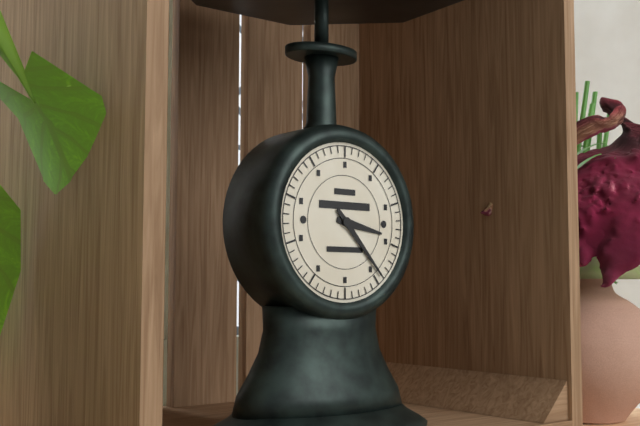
h=3 m=23
